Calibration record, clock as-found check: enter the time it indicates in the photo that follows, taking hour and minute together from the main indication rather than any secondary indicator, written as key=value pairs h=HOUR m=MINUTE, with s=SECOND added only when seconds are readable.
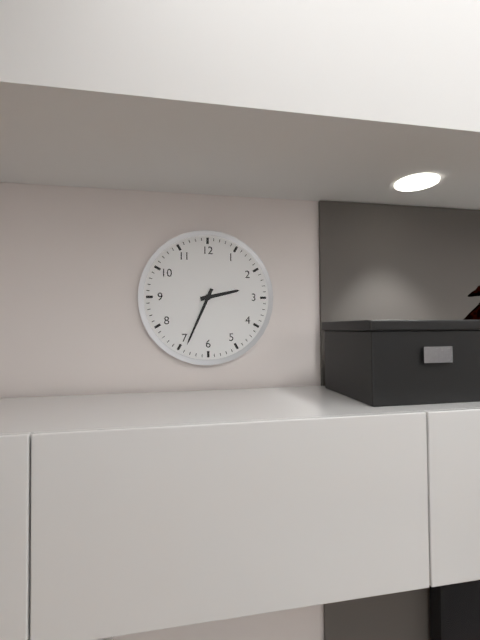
h=2 m=34
